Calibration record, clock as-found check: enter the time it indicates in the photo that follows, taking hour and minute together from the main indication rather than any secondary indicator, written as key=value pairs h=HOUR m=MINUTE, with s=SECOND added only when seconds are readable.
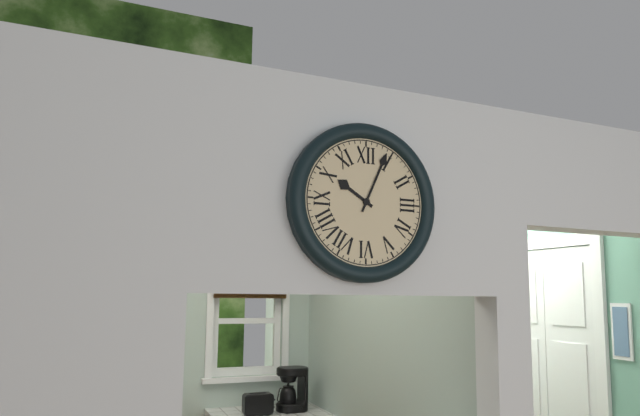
h=10 m=4
